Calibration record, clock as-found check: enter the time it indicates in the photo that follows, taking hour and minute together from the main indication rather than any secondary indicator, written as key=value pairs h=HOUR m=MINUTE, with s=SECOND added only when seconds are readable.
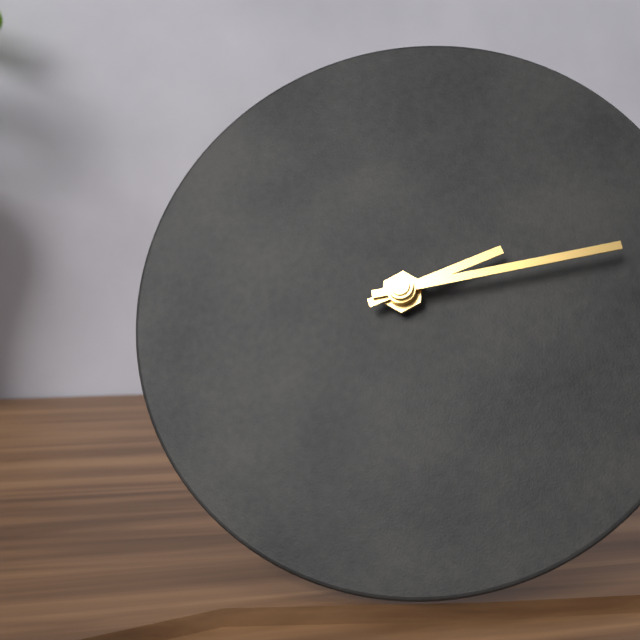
h=2 m=13
